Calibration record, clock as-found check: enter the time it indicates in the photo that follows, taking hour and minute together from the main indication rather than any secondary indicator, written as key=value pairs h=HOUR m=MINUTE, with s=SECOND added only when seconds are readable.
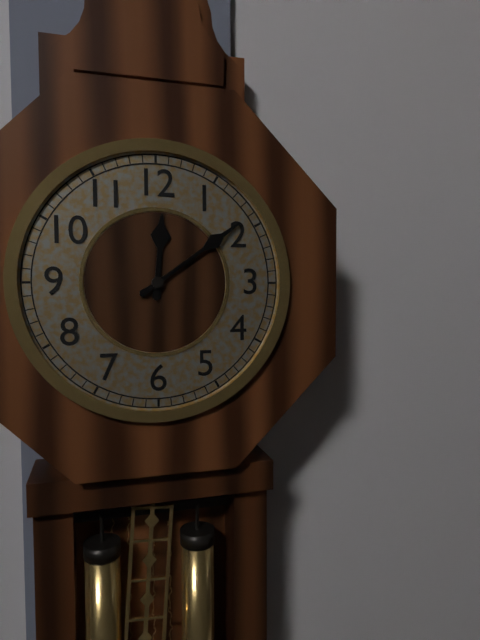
h=12 m=9
